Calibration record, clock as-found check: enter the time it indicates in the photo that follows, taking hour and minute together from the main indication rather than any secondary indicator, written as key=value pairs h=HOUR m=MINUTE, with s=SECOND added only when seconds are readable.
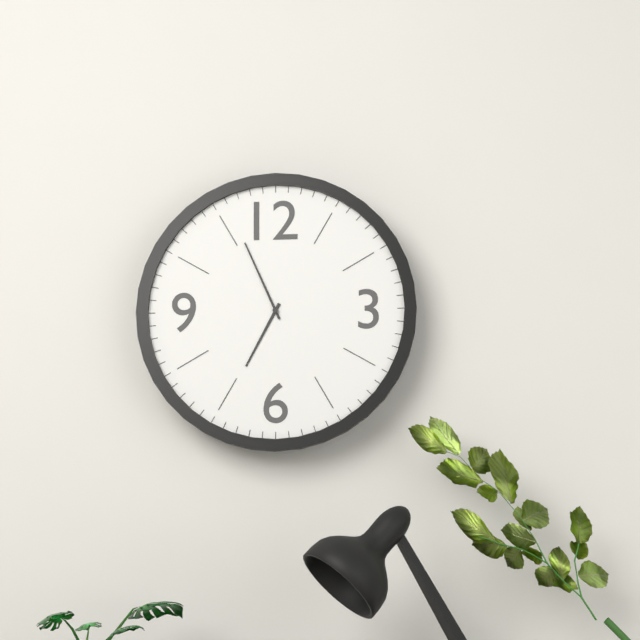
h=6 m=56
